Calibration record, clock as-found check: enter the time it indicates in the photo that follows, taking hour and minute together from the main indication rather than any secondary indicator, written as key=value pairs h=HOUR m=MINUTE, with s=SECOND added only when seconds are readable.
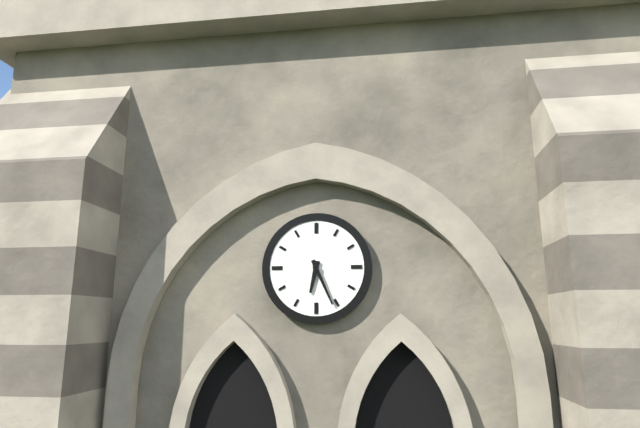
h=6 m=26
